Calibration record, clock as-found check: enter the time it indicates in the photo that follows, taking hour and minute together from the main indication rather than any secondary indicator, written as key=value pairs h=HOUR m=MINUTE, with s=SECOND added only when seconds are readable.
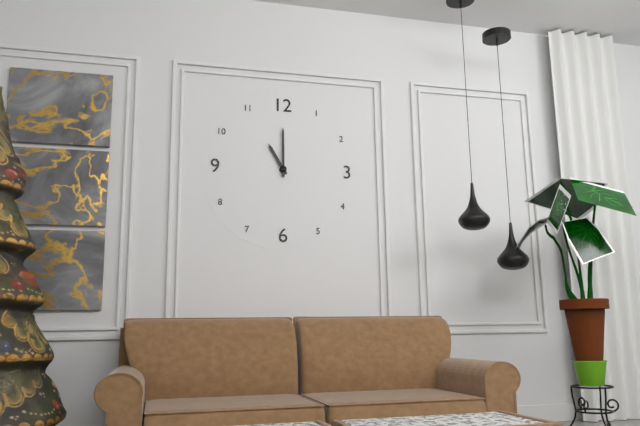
h=11 m=0
